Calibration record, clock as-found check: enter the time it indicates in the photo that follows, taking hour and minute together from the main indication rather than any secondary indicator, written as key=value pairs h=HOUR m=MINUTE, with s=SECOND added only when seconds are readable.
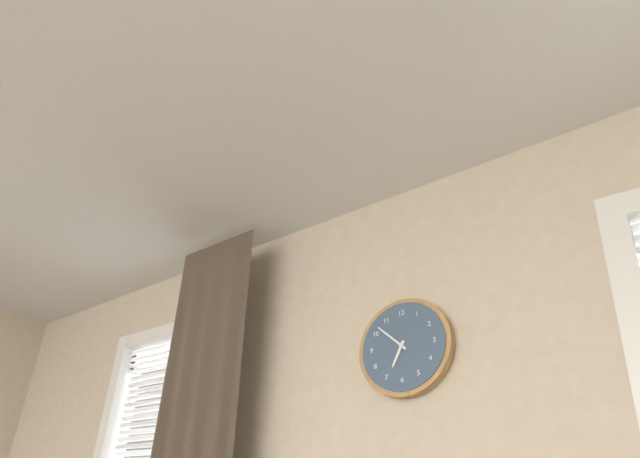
h=6 m=52
